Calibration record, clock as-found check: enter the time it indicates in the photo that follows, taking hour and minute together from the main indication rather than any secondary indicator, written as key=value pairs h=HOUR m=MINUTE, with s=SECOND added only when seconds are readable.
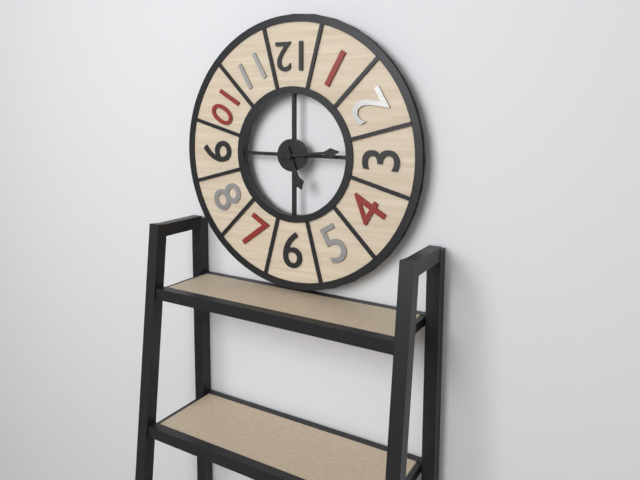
h=5 m=14
